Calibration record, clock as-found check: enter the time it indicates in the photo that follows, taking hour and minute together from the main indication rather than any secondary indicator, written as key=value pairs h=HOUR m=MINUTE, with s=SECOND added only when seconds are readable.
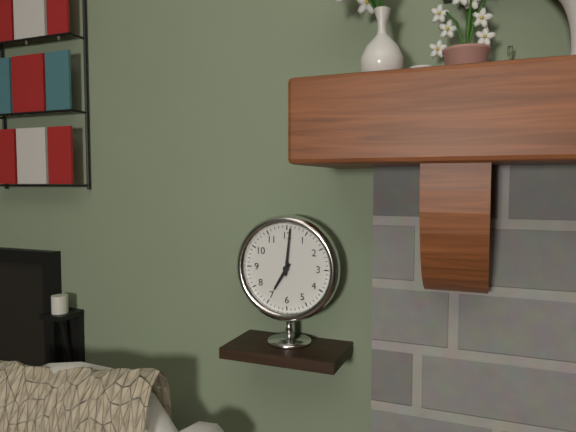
h=7 m=1
